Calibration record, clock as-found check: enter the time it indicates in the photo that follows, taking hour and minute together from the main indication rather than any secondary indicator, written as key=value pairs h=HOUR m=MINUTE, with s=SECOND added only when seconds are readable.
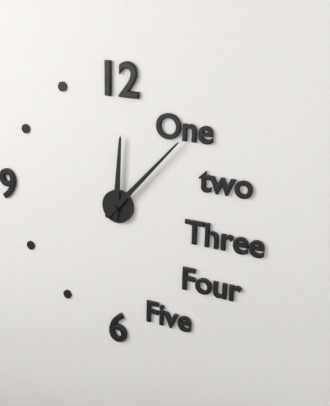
h=12 m=7
